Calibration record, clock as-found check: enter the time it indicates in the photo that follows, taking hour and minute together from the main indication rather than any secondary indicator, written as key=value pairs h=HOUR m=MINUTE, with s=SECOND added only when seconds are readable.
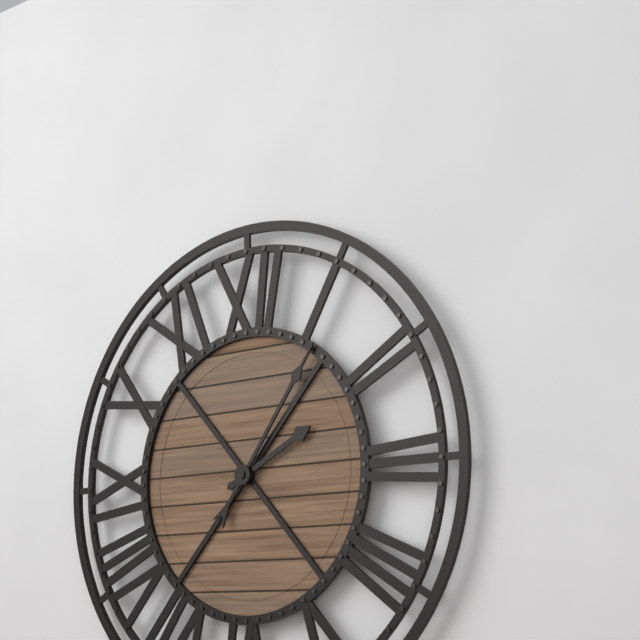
h=2 m=6
